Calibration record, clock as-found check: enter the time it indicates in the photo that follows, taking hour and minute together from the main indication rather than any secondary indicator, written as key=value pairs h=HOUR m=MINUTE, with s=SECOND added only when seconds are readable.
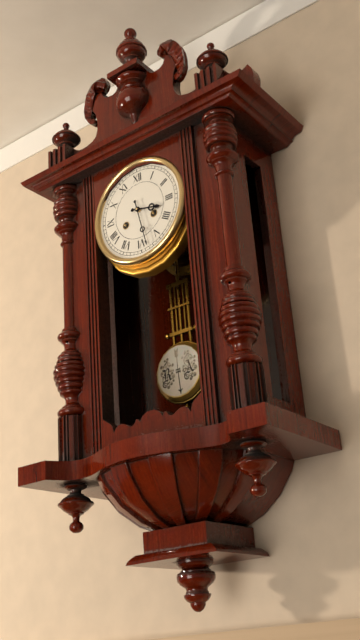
h=3 m=28
